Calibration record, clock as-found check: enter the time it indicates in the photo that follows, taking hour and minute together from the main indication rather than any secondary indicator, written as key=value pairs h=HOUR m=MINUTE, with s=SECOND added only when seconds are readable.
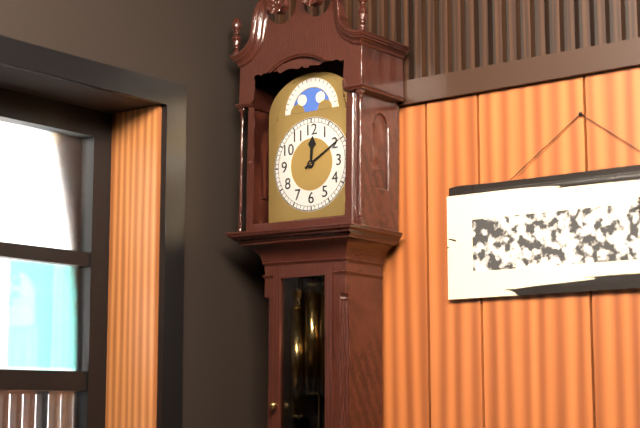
h=12 m=10
